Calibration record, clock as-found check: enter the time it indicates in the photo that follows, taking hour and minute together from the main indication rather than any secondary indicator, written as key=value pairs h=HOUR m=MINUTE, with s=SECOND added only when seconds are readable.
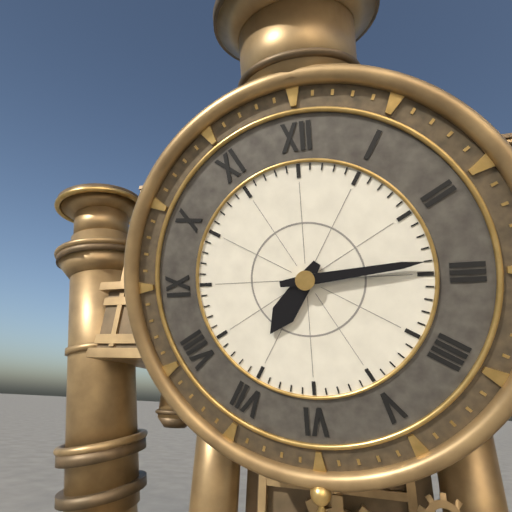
h=7 m=14
